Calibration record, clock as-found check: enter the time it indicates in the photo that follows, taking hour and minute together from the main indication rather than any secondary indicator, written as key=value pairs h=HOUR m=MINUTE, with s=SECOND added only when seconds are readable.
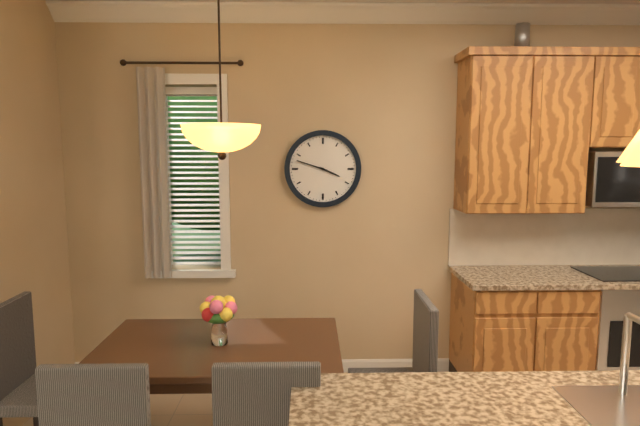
h=3 m=48
